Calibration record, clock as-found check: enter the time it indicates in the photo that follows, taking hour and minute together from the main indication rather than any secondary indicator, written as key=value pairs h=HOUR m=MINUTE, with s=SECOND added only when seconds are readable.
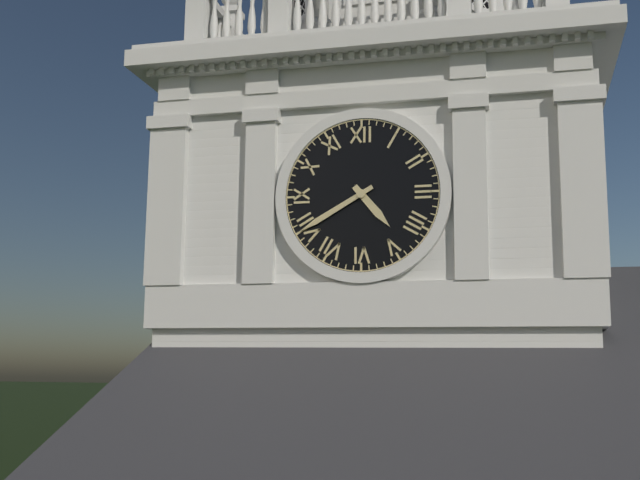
h=4 m=40
